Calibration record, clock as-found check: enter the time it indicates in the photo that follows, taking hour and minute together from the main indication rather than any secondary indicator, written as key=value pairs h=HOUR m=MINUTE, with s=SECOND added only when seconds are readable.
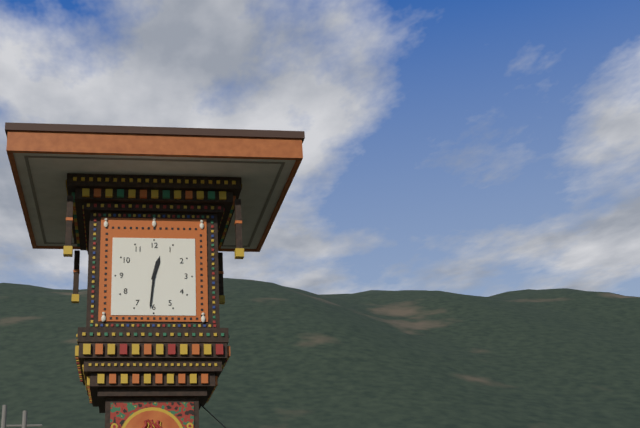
h=12 m=31
